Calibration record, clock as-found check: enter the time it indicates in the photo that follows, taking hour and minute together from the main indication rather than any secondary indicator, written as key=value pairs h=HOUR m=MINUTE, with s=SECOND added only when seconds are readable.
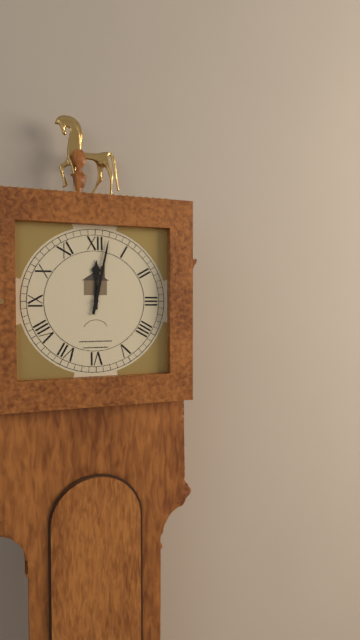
h=12 m=2
